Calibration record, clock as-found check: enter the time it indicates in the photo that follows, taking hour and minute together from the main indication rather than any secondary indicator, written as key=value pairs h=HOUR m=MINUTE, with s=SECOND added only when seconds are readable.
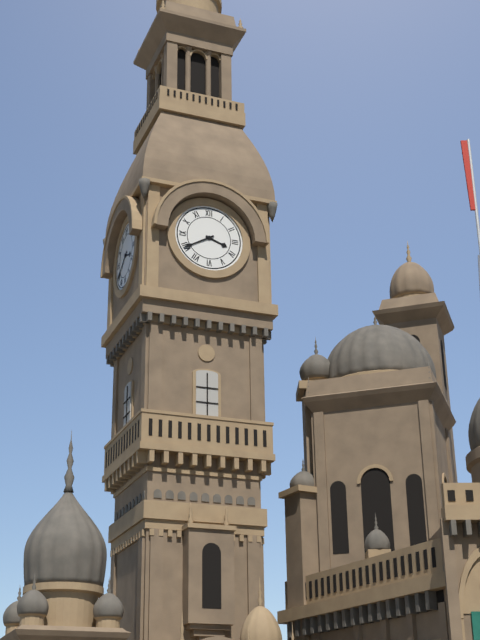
h=3 m=40
